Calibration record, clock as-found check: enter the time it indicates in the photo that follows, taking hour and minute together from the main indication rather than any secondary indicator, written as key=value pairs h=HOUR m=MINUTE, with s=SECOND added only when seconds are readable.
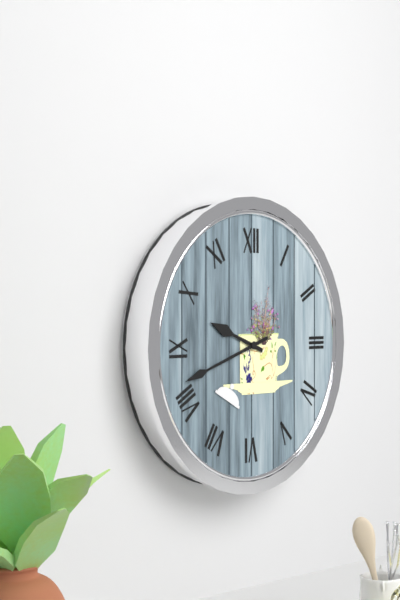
h=9 m=42
